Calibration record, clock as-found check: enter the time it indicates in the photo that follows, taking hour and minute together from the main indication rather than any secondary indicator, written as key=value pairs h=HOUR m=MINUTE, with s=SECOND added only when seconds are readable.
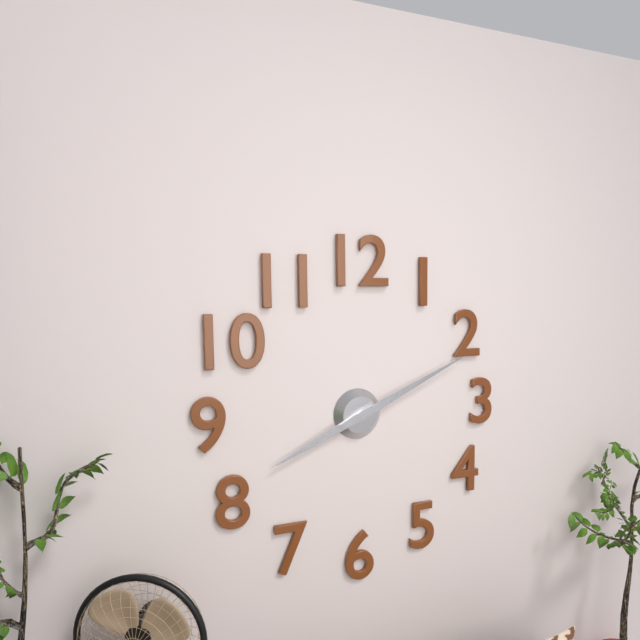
h=8 m=11
